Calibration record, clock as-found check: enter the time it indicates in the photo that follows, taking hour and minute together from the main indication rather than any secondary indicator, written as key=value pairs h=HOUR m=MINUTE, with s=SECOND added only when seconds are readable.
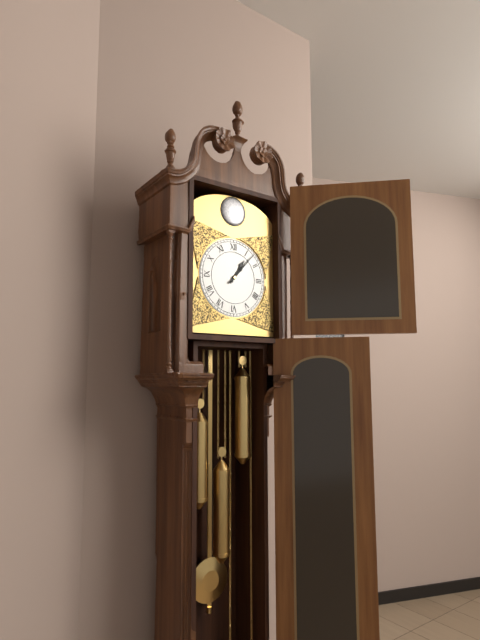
h=1 m=7
